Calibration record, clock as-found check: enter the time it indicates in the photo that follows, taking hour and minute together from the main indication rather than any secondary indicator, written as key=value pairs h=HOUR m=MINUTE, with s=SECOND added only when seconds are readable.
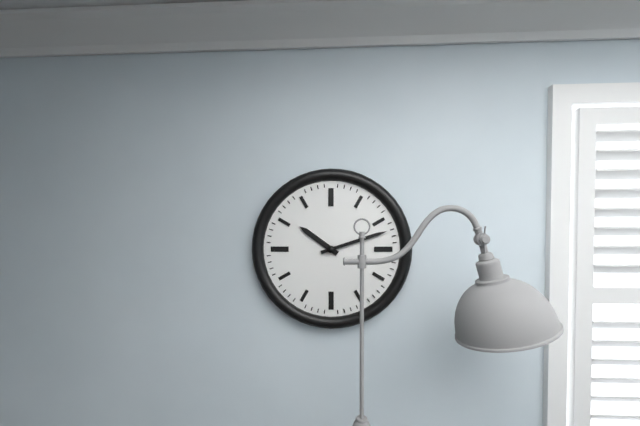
h=10 m=12
